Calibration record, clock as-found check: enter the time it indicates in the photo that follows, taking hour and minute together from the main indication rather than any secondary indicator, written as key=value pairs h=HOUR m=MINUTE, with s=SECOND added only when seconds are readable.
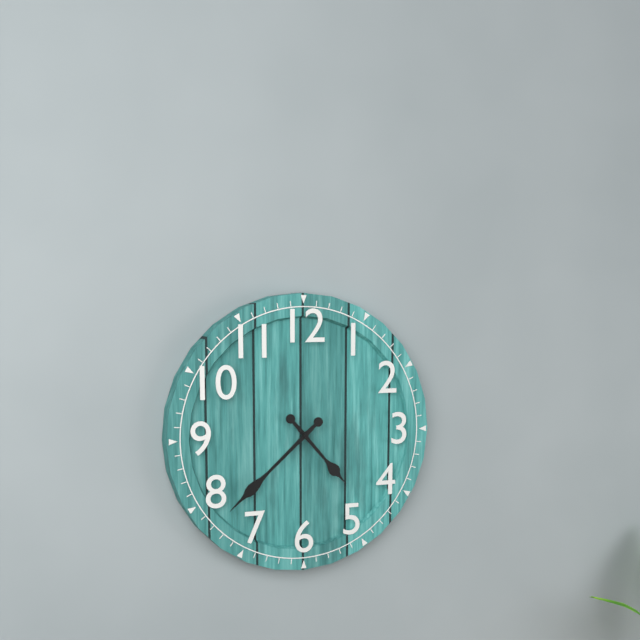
h=4 m=38
